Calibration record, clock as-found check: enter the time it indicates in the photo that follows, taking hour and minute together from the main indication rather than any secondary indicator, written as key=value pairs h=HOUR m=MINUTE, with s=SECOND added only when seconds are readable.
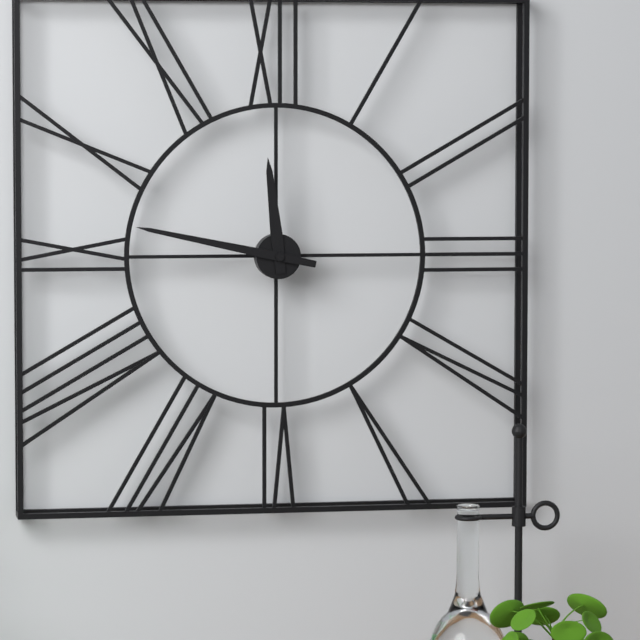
h=11 m=47
